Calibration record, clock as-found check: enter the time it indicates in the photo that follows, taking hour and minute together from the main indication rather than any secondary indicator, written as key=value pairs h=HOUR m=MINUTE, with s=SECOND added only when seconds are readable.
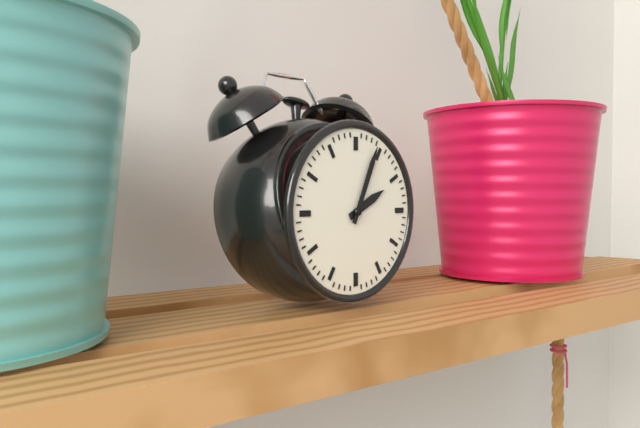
h=2 m=4
